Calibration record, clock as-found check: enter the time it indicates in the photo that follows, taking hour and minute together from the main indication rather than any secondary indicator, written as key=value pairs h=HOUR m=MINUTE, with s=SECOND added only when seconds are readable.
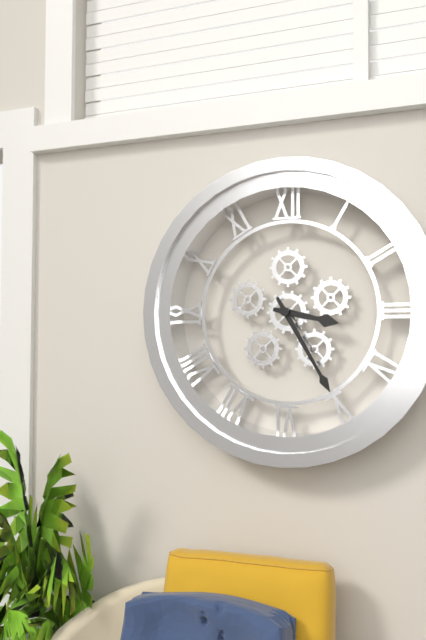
h=3 m=25
